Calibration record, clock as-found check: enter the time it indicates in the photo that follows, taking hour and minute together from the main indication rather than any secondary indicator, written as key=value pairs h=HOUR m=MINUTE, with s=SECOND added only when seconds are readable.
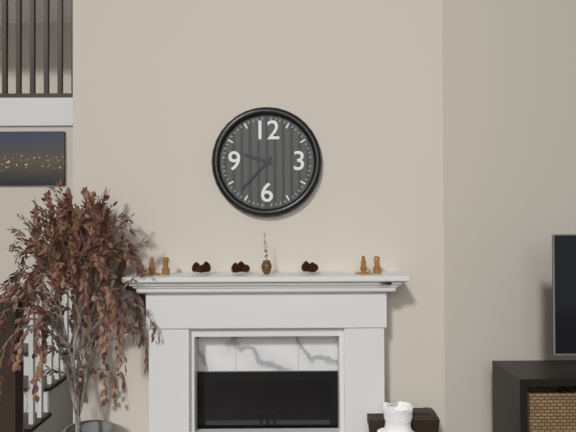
h=9 m=37
